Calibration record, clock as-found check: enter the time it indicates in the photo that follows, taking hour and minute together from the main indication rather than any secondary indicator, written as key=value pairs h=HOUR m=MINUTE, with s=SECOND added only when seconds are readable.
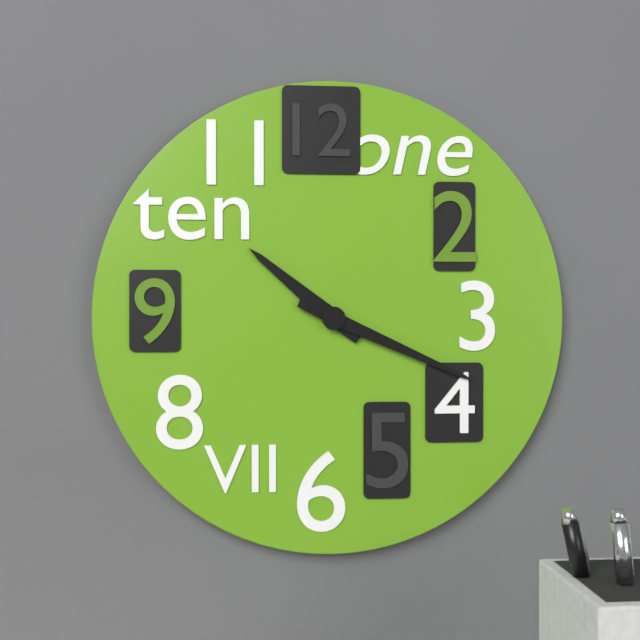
h=10 m=19
